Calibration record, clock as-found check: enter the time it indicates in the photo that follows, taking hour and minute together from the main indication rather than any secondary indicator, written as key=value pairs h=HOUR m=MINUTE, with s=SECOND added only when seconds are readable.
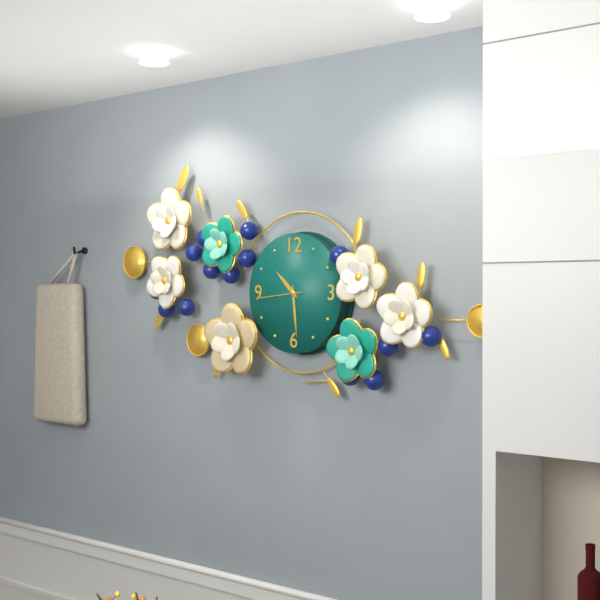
h=10 m=29
